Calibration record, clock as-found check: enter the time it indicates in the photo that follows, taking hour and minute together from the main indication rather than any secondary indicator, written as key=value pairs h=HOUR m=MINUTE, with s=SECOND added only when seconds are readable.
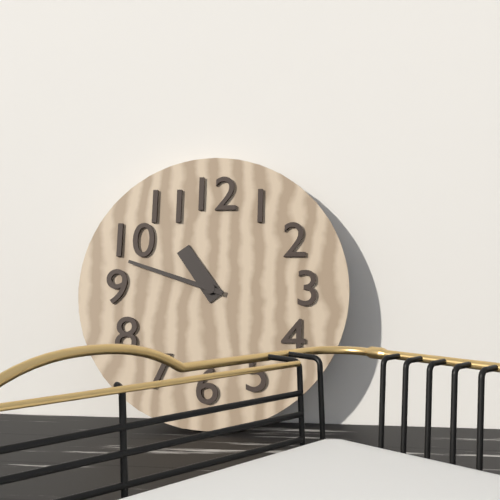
h=10 m=48
